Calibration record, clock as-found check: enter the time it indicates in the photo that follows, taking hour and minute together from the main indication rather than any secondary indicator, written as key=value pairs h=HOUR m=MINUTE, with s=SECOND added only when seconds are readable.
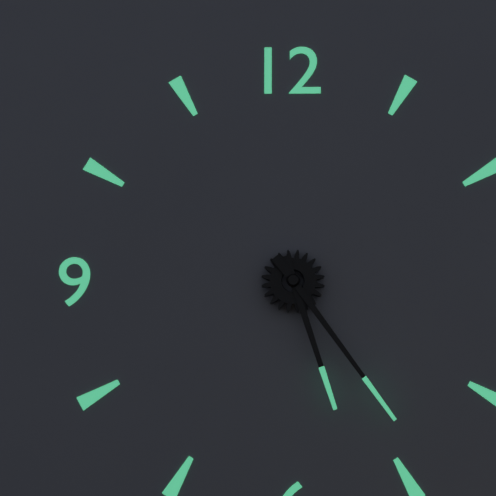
h=5 m=24
